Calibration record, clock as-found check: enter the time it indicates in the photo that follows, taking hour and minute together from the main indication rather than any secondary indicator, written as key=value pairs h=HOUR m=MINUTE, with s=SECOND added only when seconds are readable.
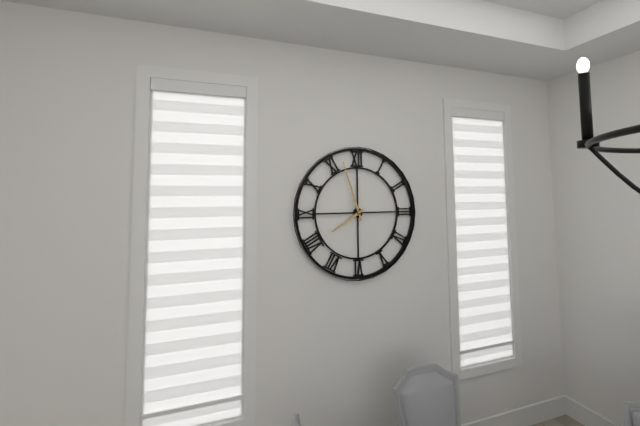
h=7 m=57
